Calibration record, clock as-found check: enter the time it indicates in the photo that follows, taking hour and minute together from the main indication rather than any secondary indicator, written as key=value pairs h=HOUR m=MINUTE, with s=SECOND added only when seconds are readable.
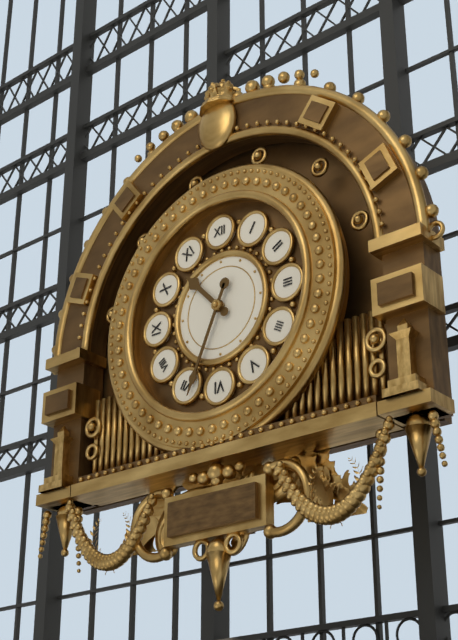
h=10 m=34
